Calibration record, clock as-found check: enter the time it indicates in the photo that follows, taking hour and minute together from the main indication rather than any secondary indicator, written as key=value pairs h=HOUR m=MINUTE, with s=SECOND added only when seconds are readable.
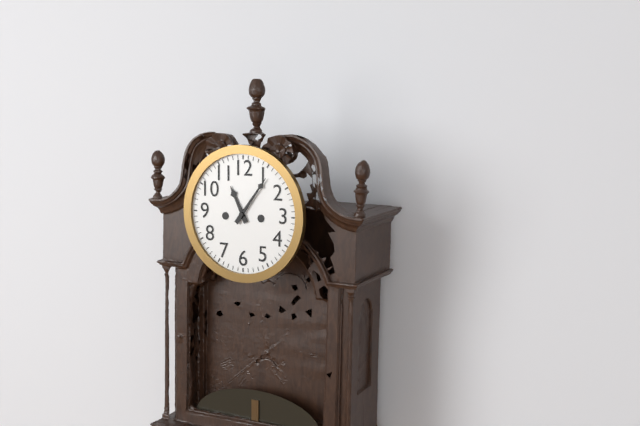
h=11 m=6
